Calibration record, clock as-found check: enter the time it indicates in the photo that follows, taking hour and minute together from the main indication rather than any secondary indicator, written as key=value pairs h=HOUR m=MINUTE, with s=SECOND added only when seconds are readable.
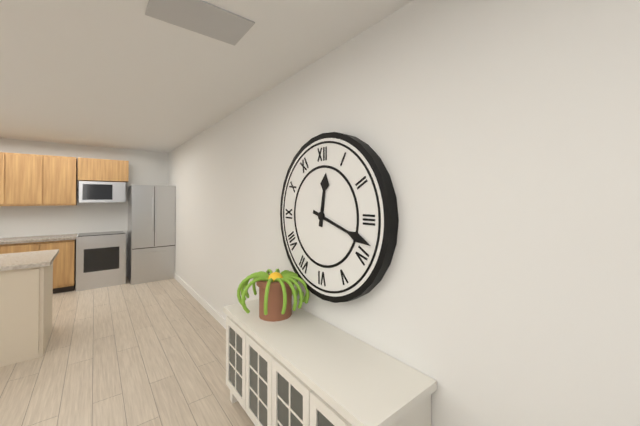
h=12 m=18
